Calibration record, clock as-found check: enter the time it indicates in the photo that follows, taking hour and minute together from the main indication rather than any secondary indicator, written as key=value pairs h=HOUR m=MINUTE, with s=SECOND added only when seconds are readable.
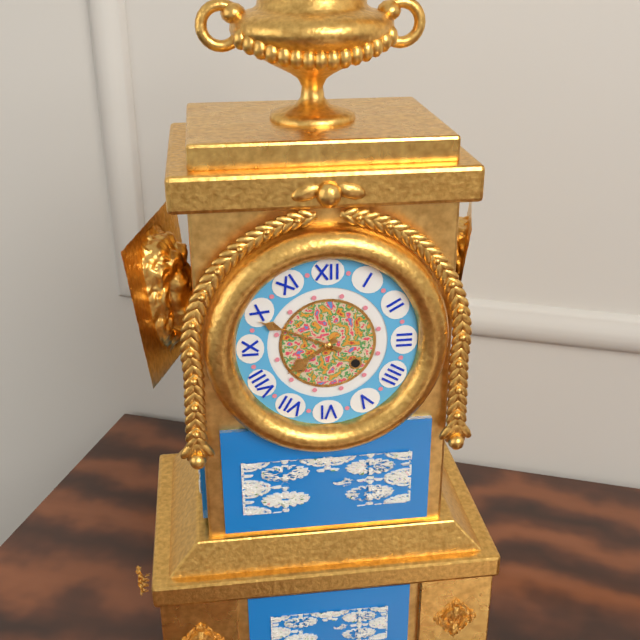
h=7 m=49
